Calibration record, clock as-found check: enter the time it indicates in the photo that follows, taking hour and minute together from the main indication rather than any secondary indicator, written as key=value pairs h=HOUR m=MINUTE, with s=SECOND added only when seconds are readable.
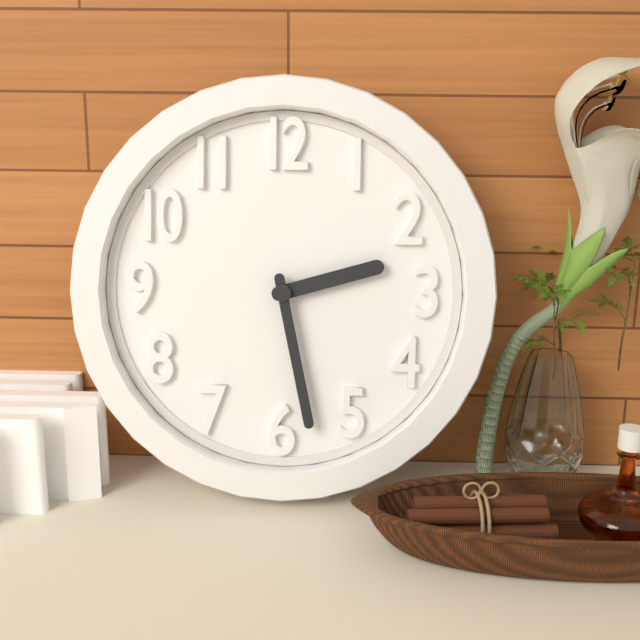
h=2 m=28
